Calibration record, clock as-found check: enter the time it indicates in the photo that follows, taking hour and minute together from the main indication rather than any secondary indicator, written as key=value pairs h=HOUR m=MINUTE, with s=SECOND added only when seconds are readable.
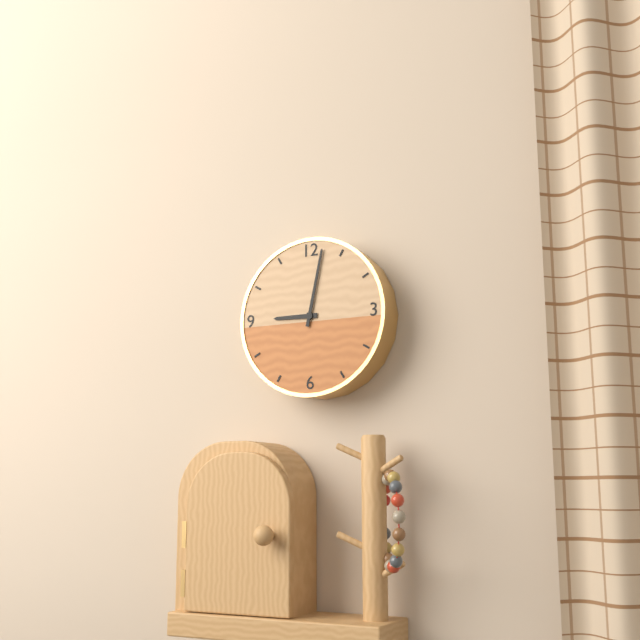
h=9 m=2
